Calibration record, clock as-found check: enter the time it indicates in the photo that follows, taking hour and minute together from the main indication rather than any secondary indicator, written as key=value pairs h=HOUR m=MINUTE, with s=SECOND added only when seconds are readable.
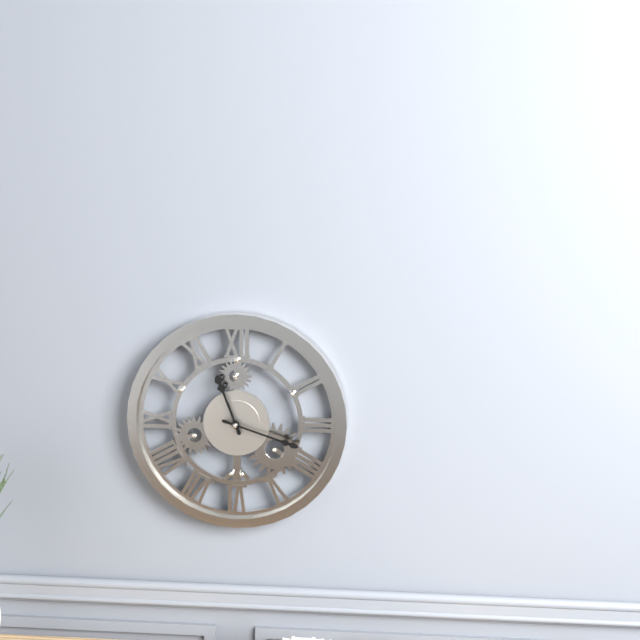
h=11 m=18
